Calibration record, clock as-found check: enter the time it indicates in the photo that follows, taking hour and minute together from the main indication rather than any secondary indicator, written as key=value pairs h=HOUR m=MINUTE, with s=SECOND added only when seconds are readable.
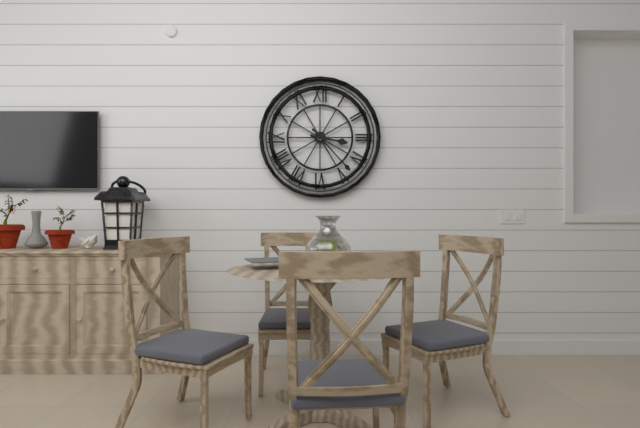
h=3 m=23
